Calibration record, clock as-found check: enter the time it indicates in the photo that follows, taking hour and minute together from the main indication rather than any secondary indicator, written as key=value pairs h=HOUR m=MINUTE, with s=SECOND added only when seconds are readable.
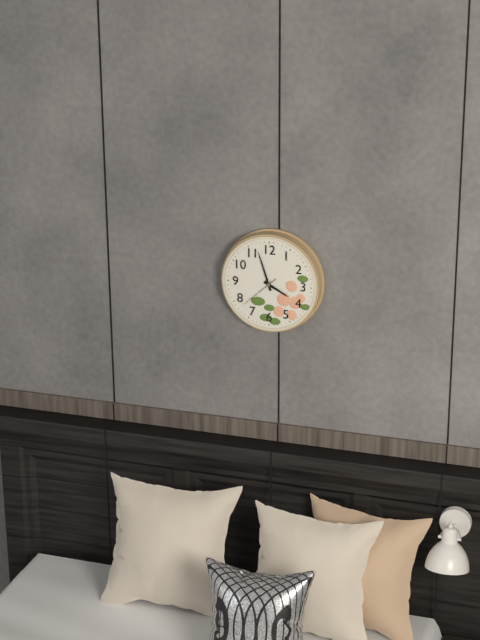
h=3 m=57
